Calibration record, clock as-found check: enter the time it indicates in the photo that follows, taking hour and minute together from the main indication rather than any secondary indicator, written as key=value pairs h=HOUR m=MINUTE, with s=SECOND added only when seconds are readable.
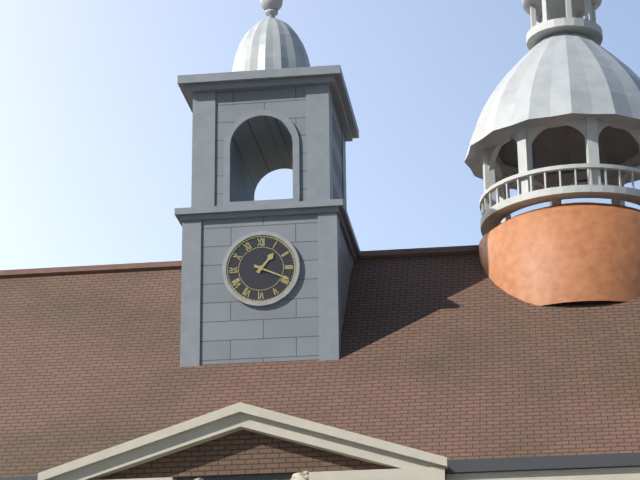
h=1 m=19
